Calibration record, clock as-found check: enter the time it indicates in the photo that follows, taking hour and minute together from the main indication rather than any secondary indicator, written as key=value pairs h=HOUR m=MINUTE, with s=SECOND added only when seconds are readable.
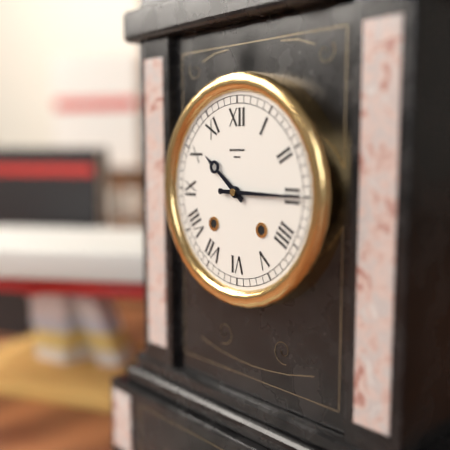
h=10 m=15
